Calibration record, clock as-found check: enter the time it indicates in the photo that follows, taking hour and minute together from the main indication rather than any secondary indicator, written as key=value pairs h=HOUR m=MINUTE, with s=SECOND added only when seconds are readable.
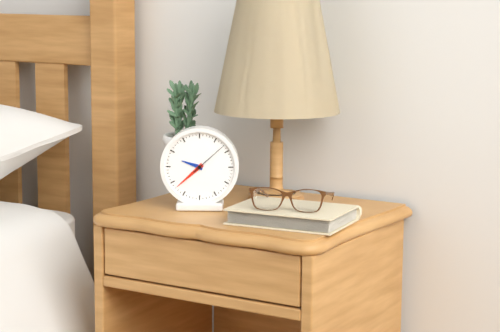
h=9 m=38
